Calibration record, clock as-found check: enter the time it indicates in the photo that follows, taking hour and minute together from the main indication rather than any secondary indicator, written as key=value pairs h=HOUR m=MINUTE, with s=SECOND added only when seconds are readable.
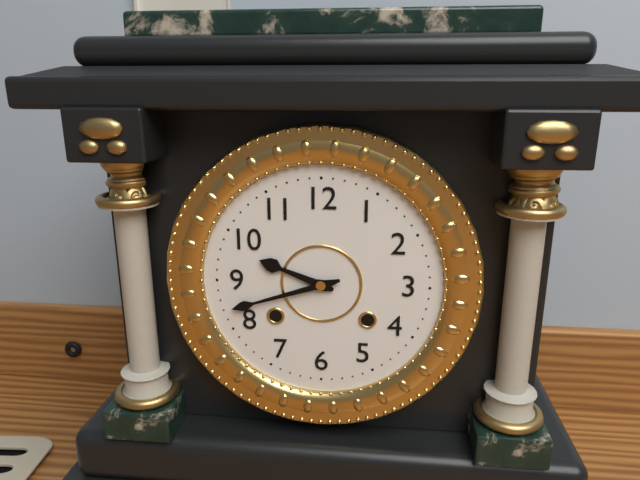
h=9 m=42
